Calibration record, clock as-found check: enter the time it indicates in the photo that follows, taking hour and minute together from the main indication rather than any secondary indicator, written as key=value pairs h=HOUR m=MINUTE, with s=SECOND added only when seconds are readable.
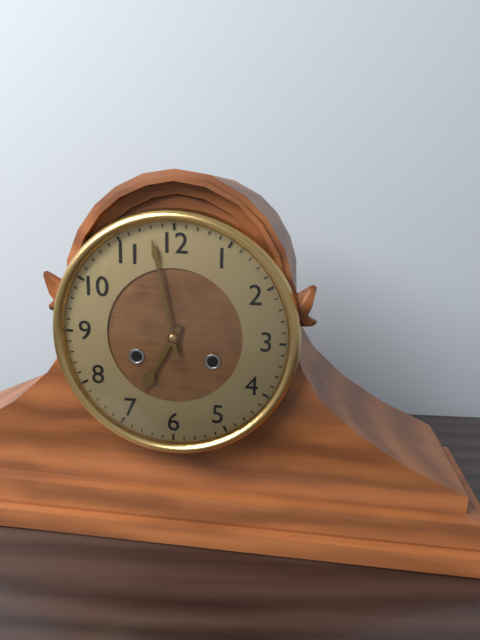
h=6 m=58
